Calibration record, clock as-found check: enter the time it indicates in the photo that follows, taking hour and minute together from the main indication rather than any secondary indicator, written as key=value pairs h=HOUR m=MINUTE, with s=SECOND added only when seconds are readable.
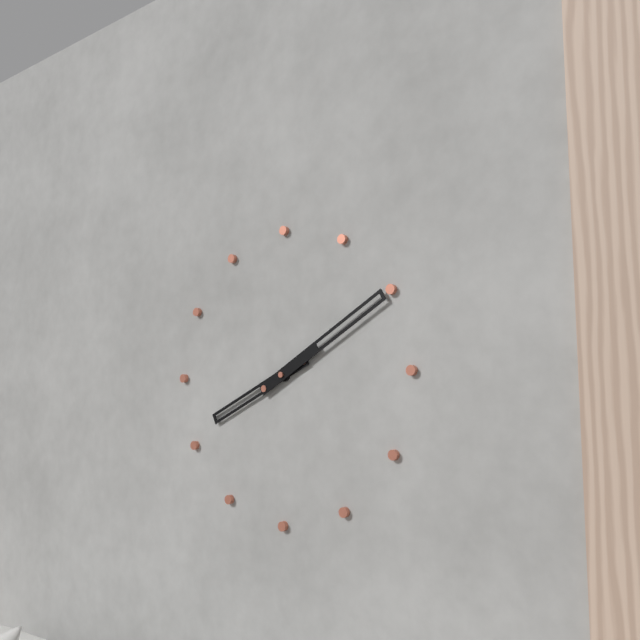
h=8 m=10
